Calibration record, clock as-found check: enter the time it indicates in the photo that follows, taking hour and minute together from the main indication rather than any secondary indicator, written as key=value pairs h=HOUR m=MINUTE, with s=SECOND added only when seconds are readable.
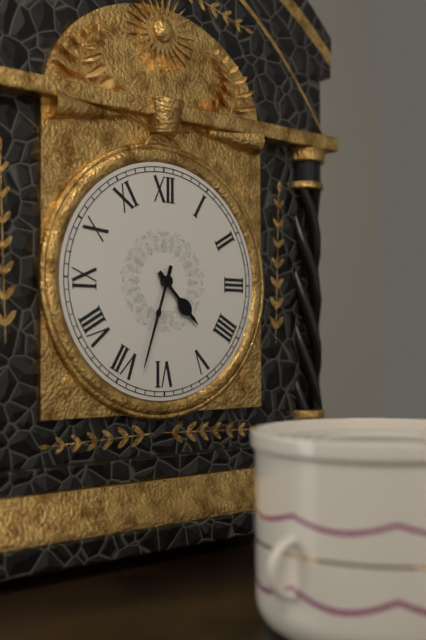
h=4 m=33
